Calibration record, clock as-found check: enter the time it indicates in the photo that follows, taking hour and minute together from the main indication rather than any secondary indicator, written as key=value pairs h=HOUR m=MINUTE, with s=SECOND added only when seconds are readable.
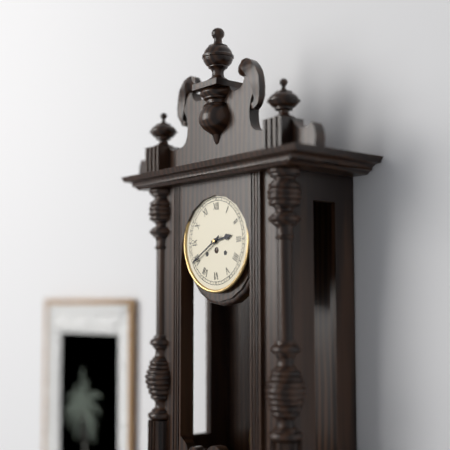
h=2 m=40
